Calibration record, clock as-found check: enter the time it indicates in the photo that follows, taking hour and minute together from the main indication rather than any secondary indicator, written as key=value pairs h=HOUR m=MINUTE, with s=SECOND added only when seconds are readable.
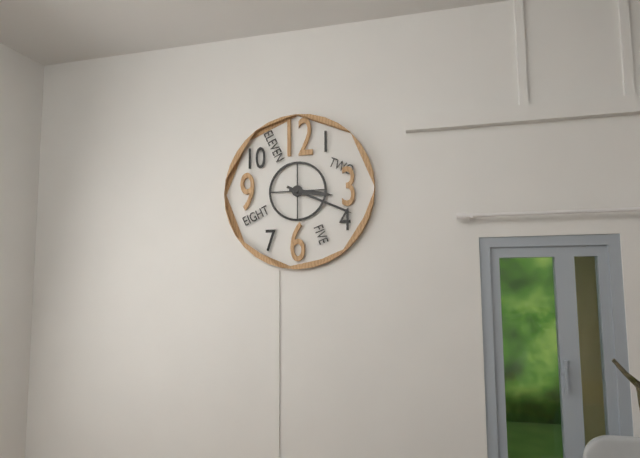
h=3 m=19
